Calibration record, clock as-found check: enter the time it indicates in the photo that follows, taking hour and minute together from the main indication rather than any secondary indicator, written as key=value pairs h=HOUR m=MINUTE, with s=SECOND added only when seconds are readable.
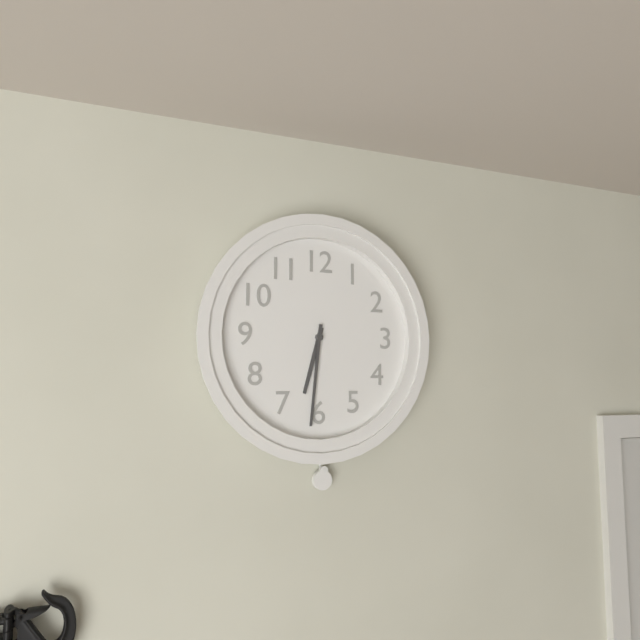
h=6 m=31
